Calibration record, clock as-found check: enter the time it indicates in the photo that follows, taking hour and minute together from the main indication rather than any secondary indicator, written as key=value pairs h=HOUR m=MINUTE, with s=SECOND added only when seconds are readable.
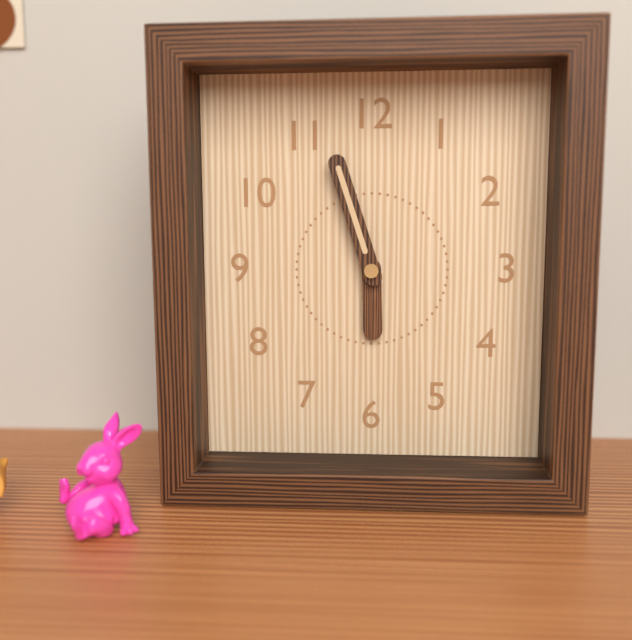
h=5 m=57
